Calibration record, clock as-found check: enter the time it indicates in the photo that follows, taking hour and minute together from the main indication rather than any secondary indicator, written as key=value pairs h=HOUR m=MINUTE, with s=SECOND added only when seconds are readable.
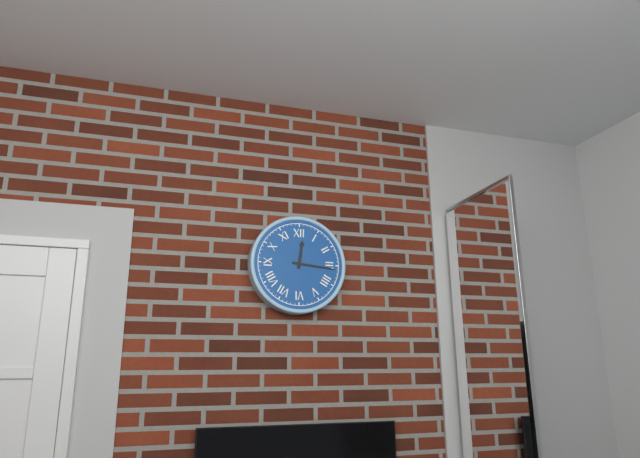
h=12 m=16
